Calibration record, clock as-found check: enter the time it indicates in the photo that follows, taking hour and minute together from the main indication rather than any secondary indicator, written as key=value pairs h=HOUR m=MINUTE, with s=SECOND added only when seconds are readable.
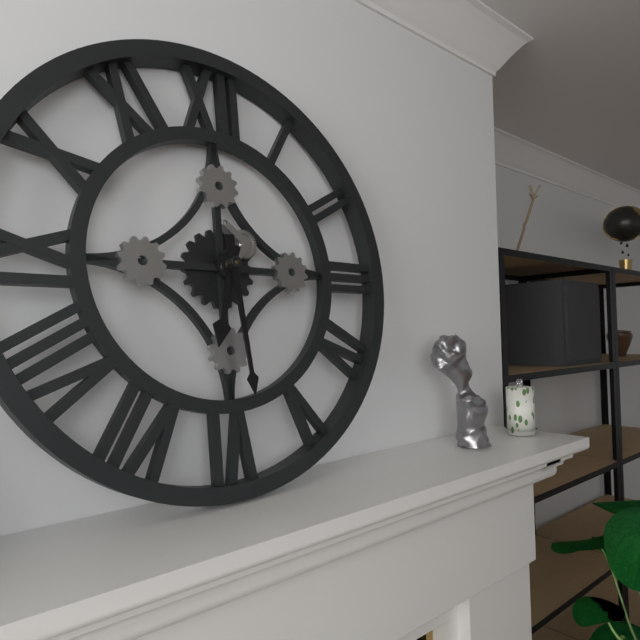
h=6 m=29
